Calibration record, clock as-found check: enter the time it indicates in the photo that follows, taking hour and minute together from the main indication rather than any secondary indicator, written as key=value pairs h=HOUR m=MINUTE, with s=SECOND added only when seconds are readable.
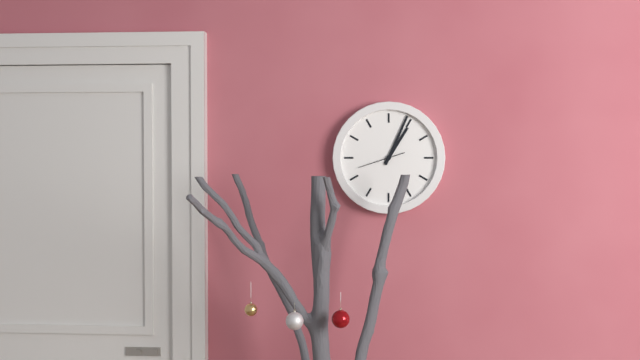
h=1 m=4
